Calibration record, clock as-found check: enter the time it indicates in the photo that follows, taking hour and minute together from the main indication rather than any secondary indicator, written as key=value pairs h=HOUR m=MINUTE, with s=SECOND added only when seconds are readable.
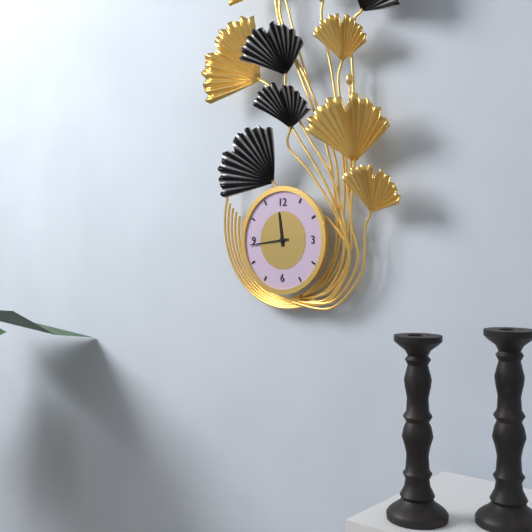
h=11 m=44
